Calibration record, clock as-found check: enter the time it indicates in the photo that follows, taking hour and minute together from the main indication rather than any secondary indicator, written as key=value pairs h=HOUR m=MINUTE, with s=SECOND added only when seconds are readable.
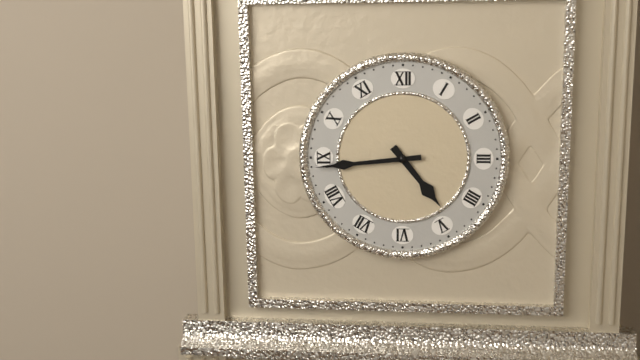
h=4 m=44
